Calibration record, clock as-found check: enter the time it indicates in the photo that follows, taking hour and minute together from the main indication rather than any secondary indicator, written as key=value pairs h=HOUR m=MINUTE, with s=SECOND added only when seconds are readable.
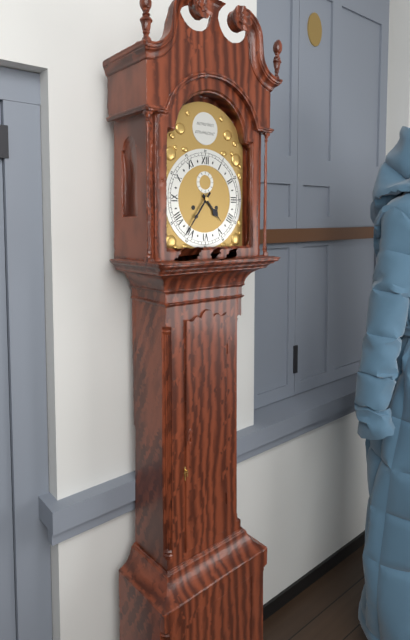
h=4 m=36
